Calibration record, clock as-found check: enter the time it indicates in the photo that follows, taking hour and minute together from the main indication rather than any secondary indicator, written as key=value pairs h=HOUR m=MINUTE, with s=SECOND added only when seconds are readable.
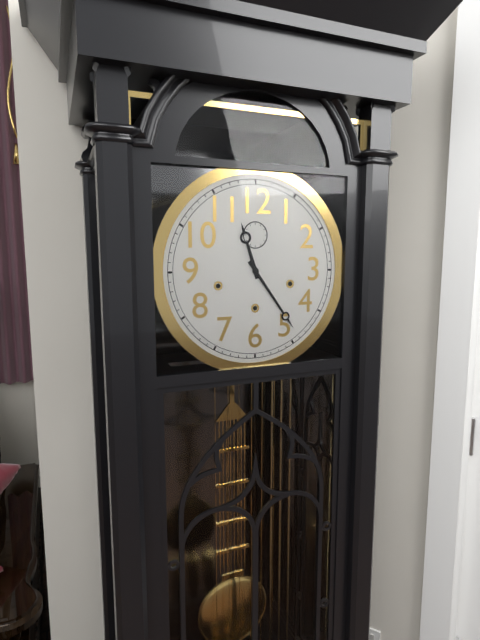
h=11 m=24
